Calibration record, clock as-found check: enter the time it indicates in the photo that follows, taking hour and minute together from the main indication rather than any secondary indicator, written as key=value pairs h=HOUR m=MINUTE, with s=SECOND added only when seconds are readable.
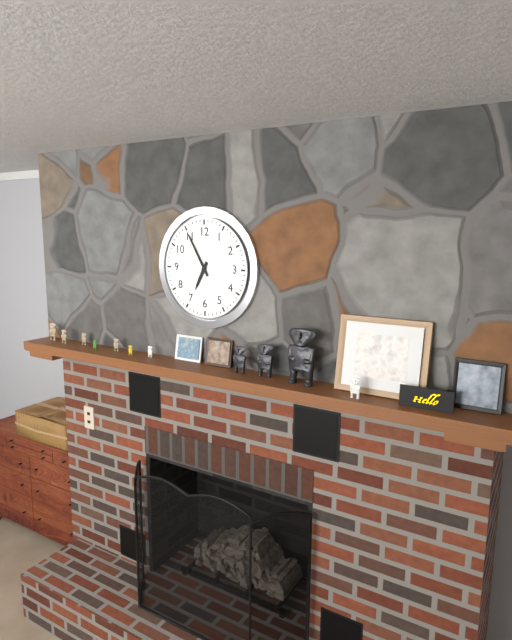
h=6 m=55
